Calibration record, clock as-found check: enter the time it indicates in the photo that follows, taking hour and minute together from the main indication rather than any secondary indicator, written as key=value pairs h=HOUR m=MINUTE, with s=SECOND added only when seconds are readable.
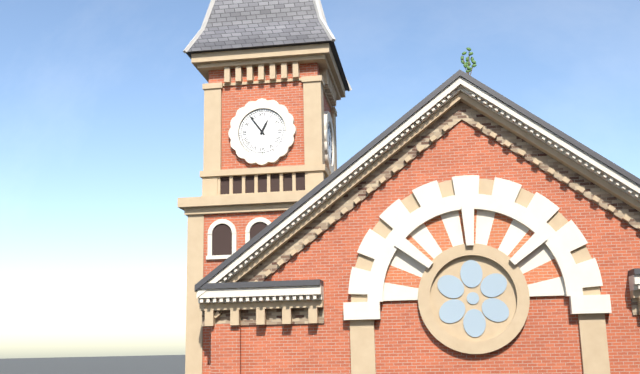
h=12 m=54
